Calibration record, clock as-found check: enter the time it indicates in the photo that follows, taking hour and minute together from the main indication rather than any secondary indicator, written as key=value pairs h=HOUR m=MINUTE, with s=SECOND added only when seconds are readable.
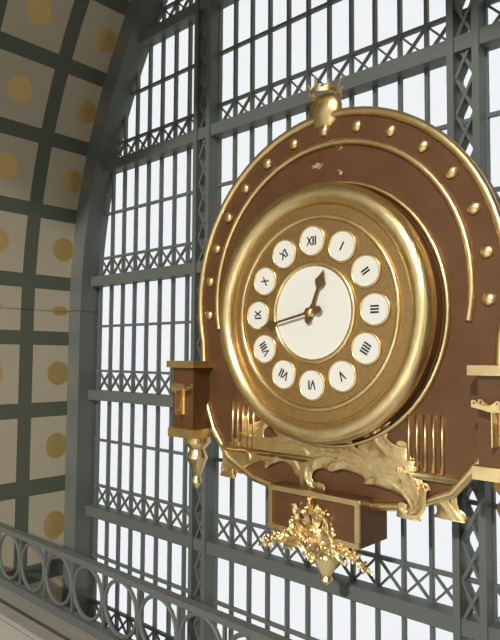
h=12 m=43
